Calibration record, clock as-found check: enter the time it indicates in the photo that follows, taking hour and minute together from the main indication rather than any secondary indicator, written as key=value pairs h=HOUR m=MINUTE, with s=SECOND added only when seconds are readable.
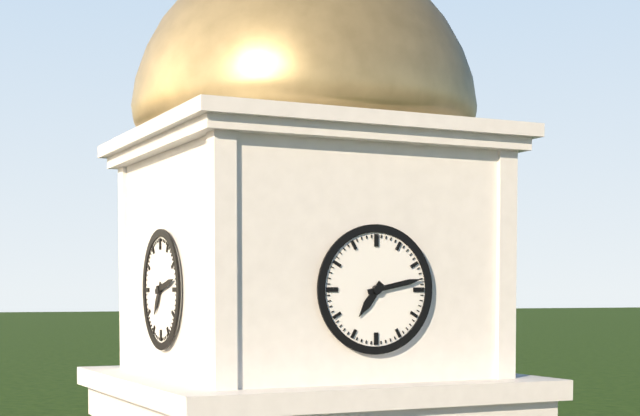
h=7 m=13
